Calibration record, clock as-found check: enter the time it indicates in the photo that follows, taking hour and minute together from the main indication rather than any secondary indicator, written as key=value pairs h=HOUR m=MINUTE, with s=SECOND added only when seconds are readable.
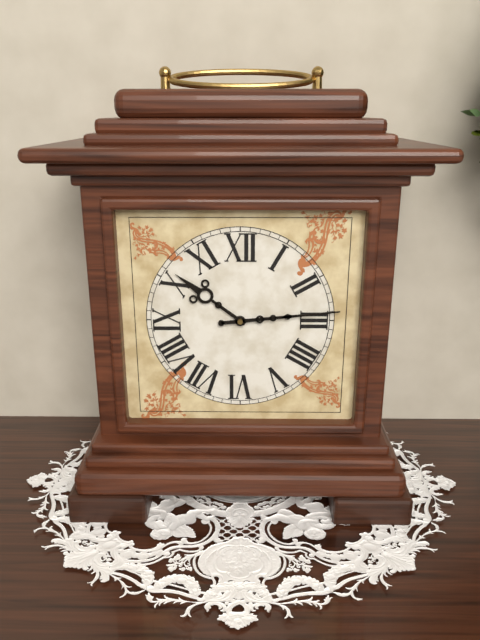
h=10 m=14
